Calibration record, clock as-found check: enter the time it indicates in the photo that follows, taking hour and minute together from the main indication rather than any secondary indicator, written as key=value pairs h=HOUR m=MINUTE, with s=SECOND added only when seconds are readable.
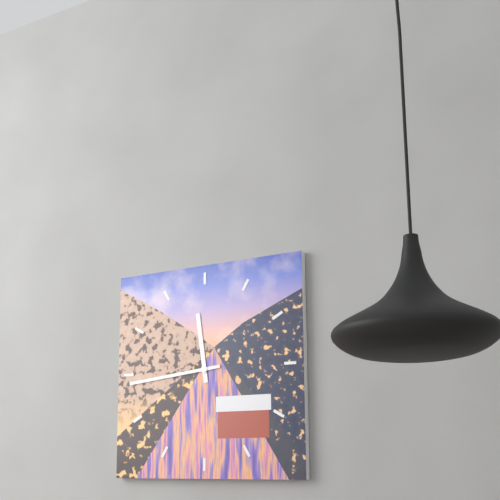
h=11 m=44
